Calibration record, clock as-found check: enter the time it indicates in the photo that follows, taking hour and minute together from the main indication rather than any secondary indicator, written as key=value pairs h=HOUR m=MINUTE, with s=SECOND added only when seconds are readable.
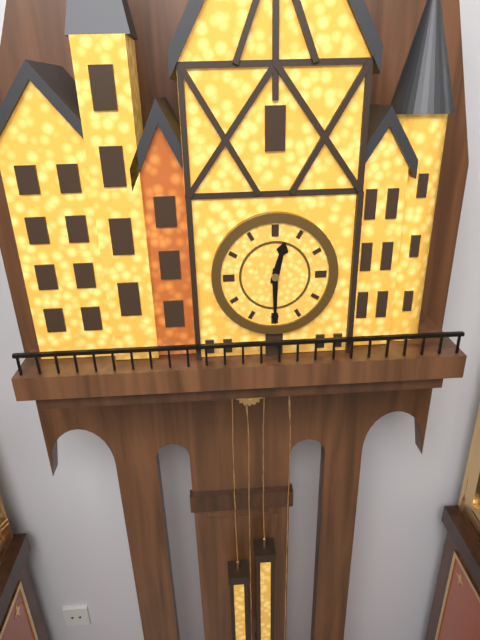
h=12 m=30
